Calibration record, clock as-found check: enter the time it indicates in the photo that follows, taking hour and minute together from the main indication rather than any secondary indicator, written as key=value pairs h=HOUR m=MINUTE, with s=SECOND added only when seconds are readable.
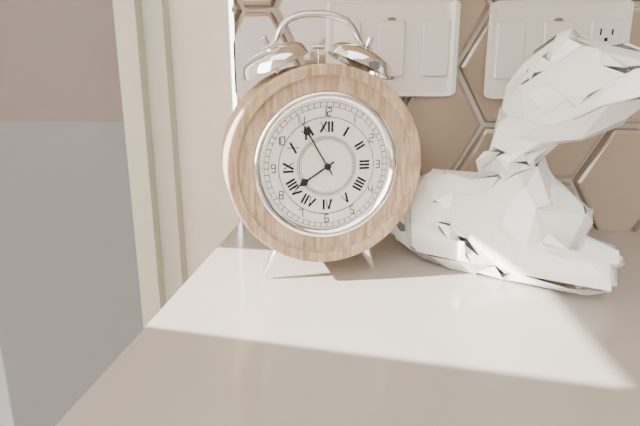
h=7 m=55
